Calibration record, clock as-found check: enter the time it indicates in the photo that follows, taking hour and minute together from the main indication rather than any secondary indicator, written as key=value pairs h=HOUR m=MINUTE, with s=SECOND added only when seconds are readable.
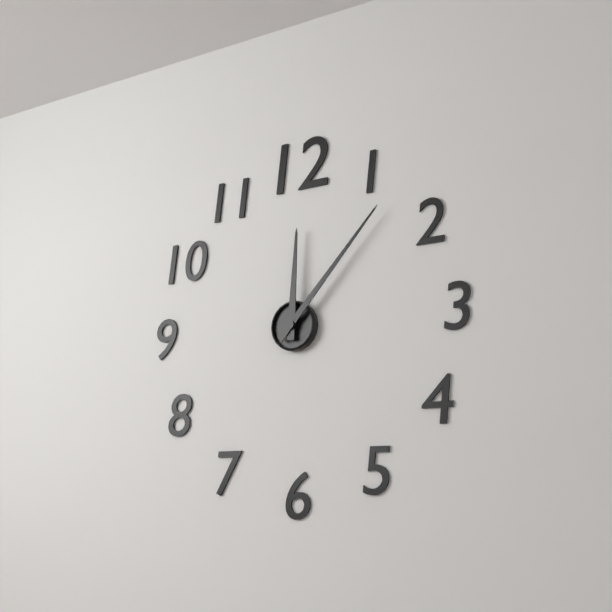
h=12 m=7
